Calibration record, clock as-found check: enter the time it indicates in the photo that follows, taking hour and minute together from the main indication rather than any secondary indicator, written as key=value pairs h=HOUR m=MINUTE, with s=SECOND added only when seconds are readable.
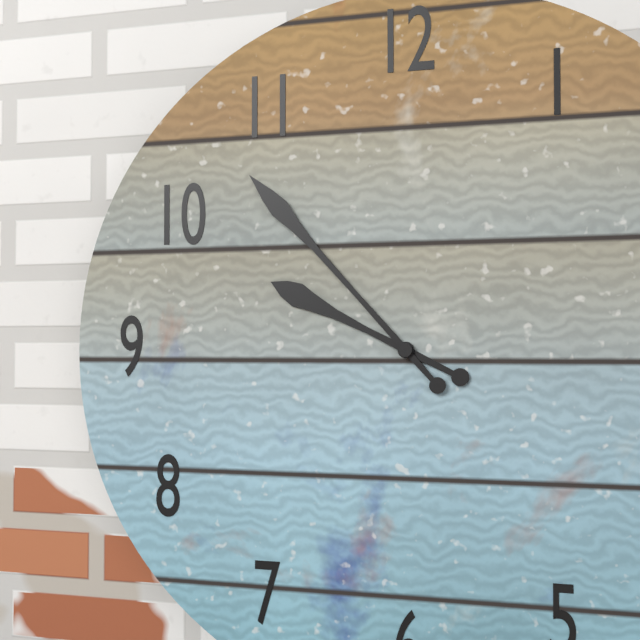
h=9 m=53
